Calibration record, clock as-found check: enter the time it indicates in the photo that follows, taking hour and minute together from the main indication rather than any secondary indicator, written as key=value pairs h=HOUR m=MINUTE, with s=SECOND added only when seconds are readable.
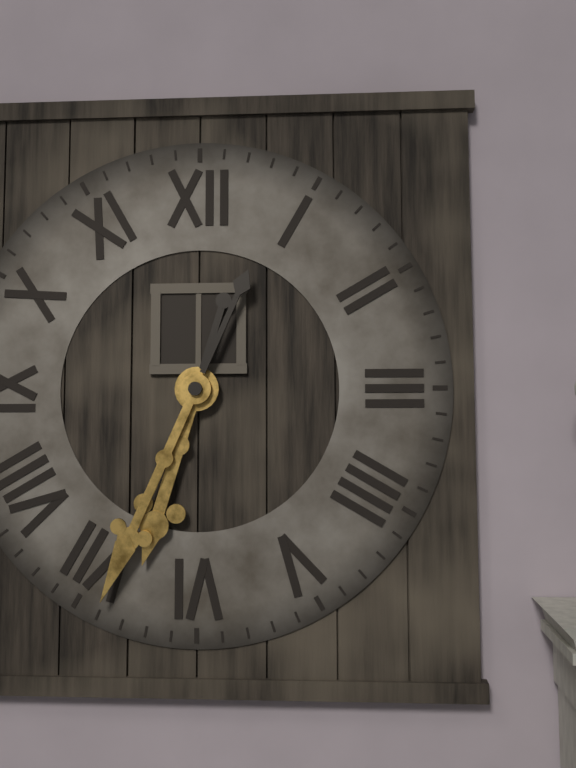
h=6 m=34
